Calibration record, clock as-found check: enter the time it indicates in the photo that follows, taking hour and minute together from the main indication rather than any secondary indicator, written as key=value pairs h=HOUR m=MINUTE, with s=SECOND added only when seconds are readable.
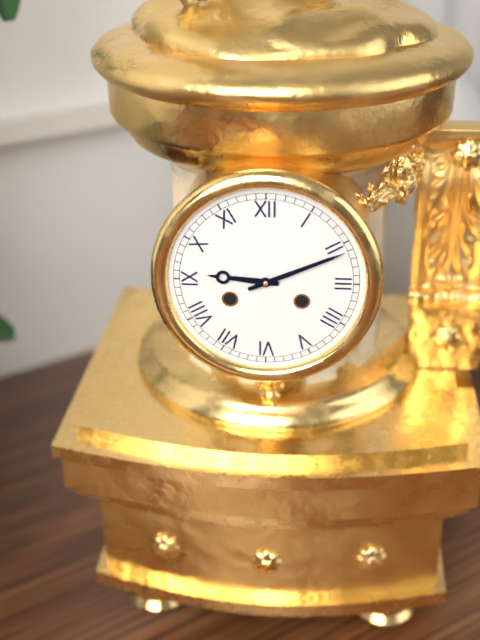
h=9 m=11
